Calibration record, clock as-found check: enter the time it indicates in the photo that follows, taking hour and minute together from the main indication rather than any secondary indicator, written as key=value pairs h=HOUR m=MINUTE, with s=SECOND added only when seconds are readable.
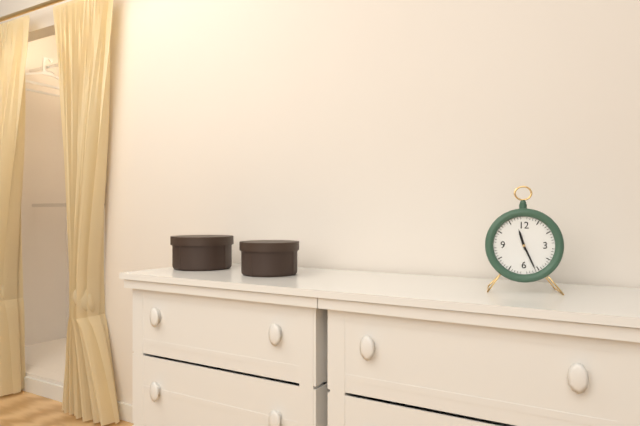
h=11 m=26
